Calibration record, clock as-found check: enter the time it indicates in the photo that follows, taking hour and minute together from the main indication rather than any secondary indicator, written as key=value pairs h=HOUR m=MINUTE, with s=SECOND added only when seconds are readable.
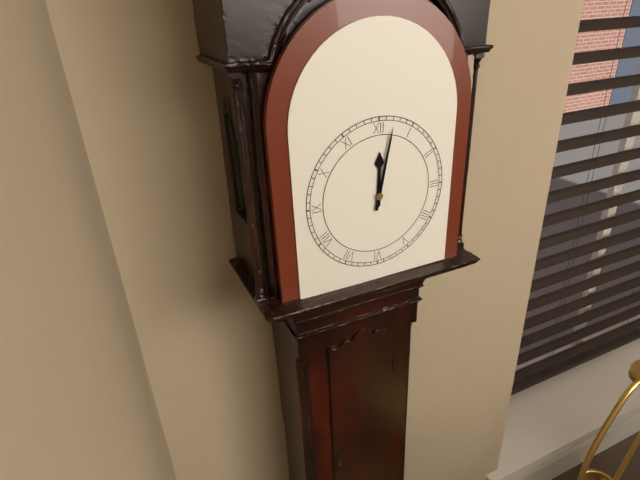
h=12 m=2
